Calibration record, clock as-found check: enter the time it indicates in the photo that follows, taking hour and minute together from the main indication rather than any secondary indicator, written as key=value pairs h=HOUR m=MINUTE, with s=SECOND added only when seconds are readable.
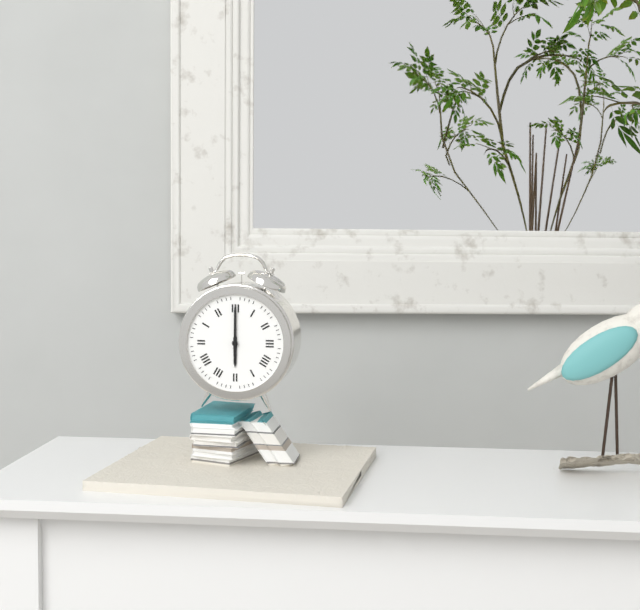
h=6 m=0
